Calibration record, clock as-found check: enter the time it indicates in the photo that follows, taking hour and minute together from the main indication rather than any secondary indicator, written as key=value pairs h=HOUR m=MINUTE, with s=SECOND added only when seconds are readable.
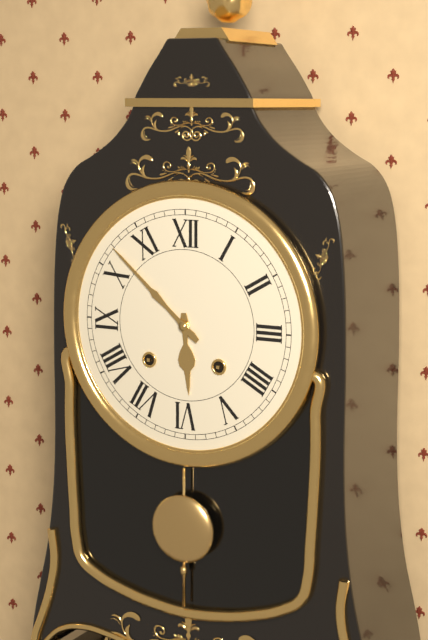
h=5 m=52
